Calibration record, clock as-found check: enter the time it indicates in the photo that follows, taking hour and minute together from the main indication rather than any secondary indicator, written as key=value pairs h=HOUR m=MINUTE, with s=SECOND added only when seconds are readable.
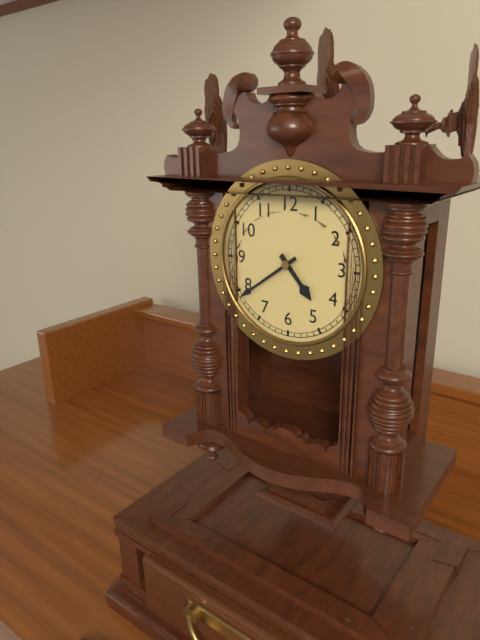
h=4 m=39
